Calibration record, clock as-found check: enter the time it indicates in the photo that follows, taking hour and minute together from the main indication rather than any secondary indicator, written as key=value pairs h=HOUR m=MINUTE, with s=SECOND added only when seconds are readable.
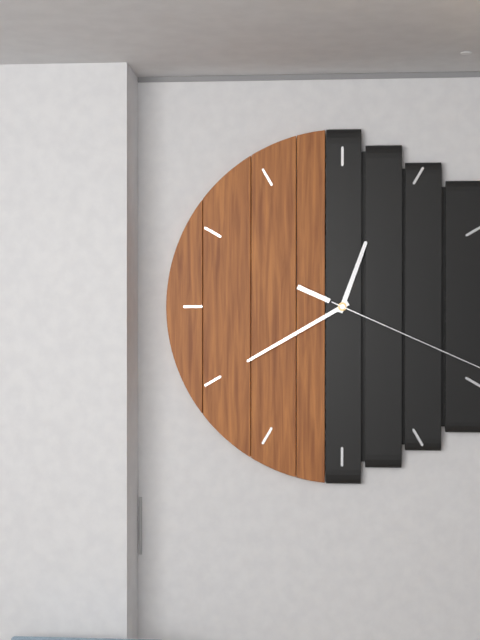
h=12 m=40
